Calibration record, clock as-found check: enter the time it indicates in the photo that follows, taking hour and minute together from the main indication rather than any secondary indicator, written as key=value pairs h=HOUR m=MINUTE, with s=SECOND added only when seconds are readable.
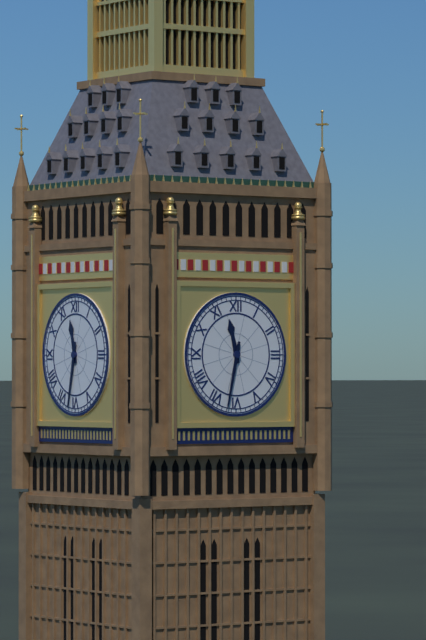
h=11 m=32
